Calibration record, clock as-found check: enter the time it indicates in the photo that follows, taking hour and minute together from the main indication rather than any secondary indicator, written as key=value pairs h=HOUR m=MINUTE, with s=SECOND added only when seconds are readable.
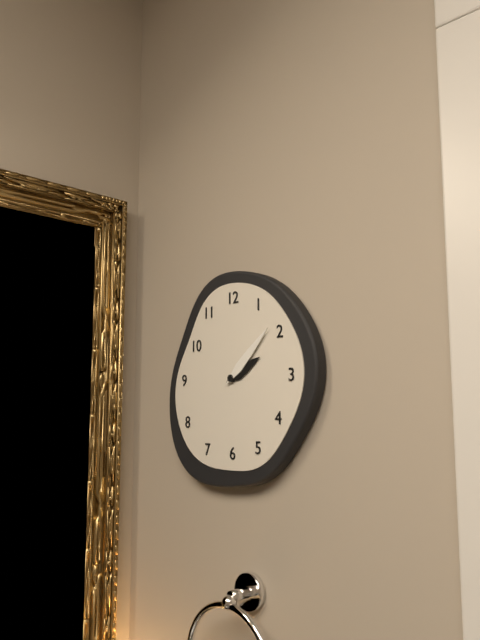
h=2 m=8
